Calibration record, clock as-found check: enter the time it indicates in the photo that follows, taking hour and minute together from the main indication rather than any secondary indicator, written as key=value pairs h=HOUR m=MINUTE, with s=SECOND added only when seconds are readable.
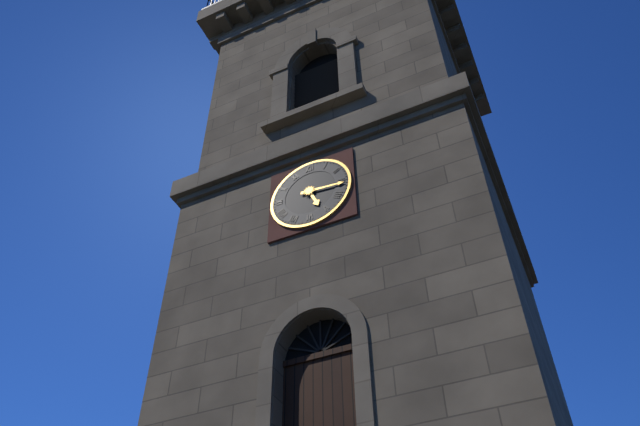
h=5 m=16
